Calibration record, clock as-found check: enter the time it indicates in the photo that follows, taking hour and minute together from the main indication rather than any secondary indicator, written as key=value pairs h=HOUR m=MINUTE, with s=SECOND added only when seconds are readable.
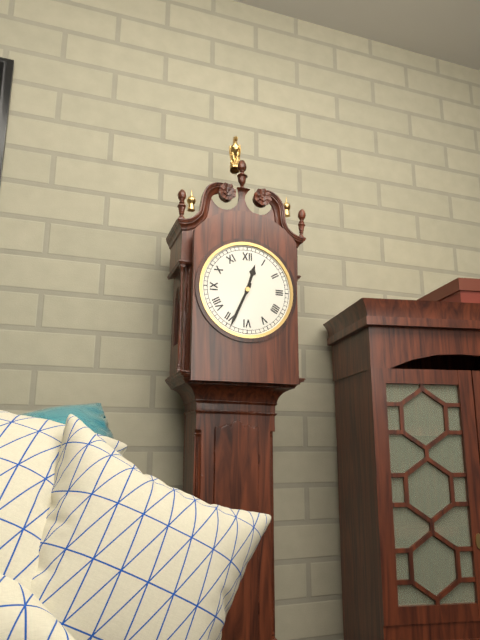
h=12 m=34
